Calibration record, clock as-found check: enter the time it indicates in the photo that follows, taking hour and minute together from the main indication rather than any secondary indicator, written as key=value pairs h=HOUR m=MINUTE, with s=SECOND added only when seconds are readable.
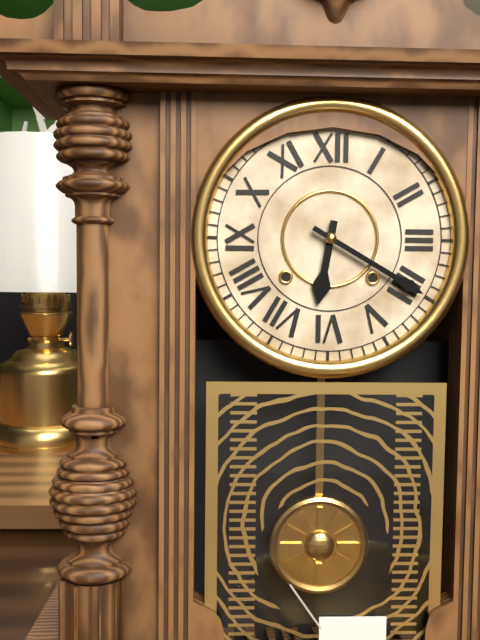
h=6 m=20
